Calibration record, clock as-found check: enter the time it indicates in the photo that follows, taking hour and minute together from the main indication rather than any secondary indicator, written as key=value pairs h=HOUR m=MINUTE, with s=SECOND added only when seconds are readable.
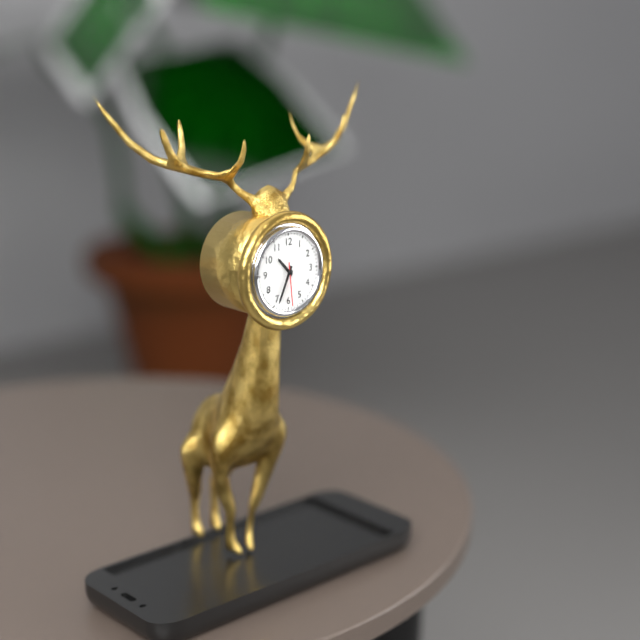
h=10 m=34
